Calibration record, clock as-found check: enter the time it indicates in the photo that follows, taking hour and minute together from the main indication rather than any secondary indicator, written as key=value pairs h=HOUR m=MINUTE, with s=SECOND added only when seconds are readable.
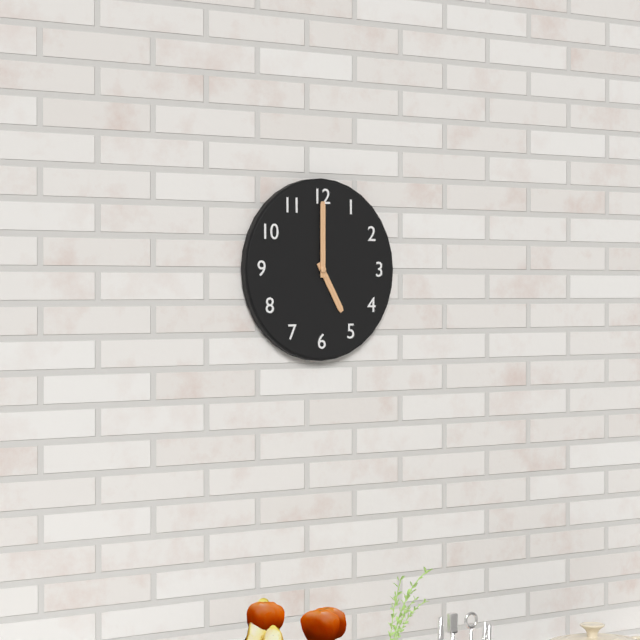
h=5 m=0
